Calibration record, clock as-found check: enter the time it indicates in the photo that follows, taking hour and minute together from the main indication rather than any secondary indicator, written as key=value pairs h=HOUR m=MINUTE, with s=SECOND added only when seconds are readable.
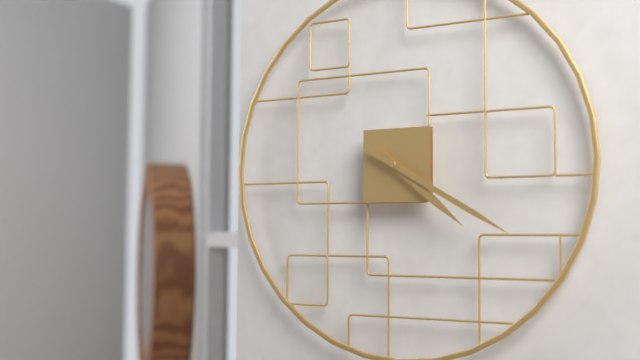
h=4 m=20
